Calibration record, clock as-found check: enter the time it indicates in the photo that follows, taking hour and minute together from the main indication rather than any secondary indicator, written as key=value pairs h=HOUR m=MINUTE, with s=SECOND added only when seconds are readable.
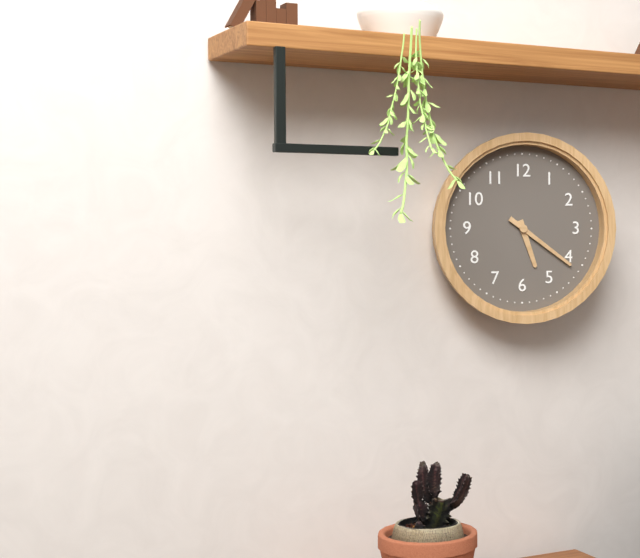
h=5 m=21
